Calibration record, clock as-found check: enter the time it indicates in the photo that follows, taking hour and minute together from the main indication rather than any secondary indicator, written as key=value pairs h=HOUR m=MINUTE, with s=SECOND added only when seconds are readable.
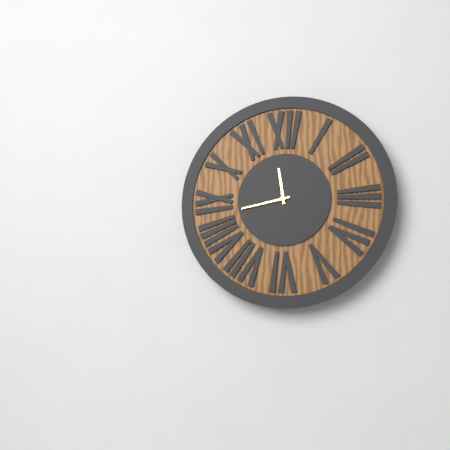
h=11 m=43
